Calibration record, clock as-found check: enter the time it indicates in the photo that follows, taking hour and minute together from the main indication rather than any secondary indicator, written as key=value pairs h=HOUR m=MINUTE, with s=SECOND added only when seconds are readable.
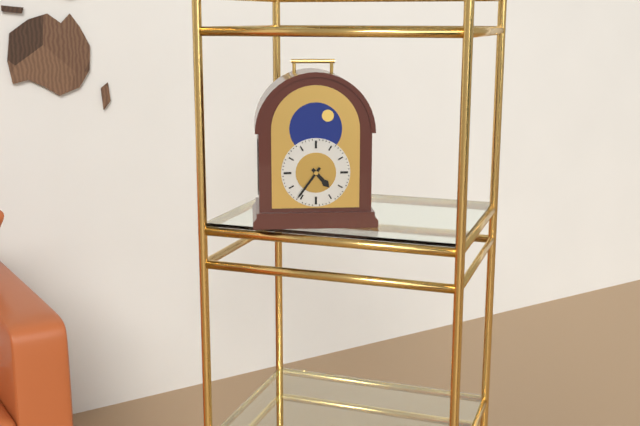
h=4 m=36
